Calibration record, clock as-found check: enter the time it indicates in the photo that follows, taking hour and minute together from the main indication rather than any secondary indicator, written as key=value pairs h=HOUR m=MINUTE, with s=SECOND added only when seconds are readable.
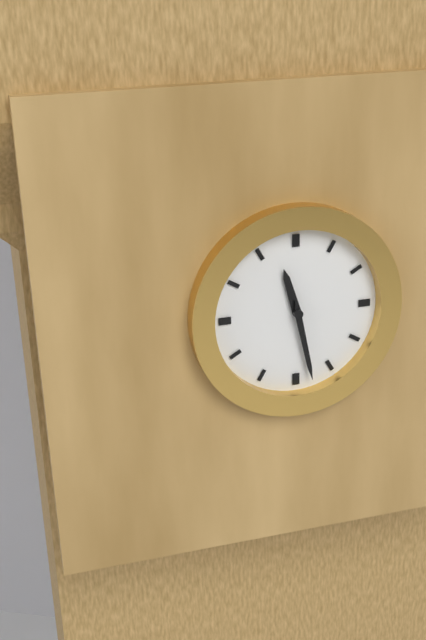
h=11 m=28
